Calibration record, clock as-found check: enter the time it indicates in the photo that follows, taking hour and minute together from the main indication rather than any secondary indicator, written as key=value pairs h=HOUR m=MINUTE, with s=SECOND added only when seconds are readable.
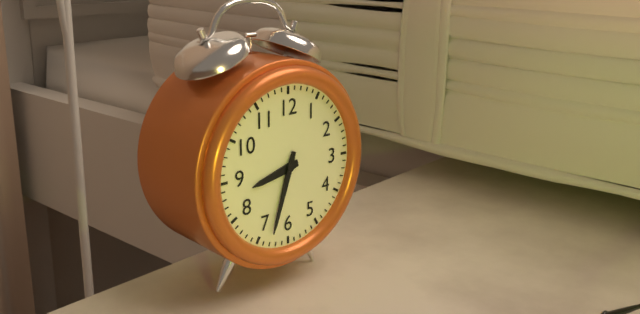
h=8 m=33
